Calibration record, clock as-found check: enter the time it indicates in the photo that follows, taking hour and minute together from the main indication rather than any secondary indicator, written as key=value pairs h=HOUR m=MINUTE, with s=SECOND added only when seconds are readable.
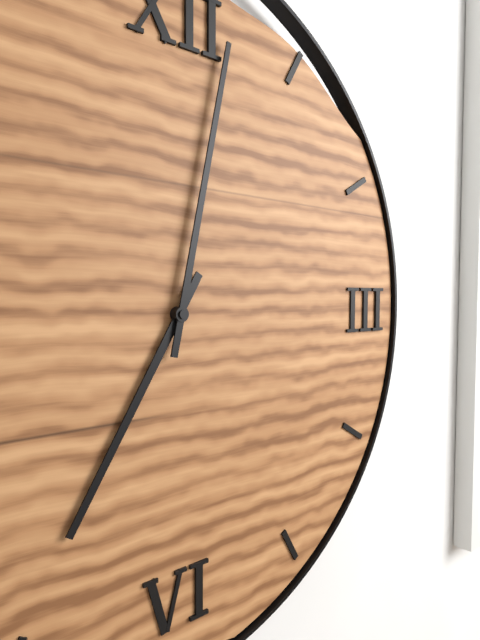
h=7 m=2
